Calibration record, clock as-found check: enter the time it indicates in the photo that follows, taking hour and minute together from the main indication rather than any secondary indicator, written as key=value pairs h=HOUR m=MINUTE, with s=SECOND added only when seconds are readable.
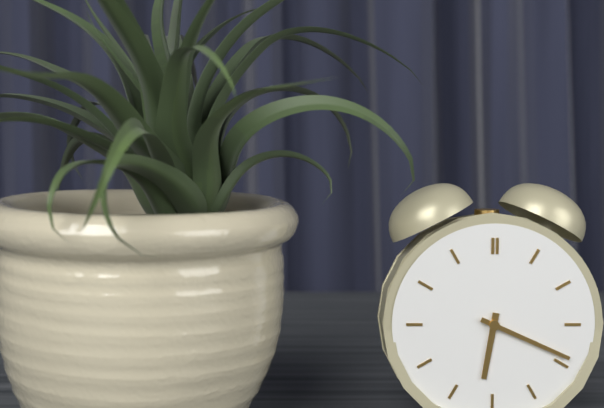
h=6 m=19
